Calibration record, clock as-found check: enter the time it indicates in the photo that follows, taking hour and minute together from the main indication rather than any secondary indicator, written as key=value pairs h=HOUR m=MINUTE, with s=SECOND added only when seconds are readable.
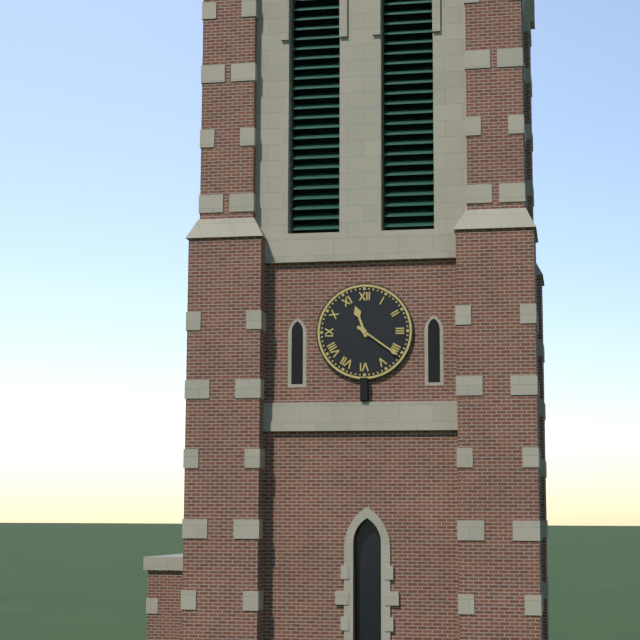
h=11 m=21
